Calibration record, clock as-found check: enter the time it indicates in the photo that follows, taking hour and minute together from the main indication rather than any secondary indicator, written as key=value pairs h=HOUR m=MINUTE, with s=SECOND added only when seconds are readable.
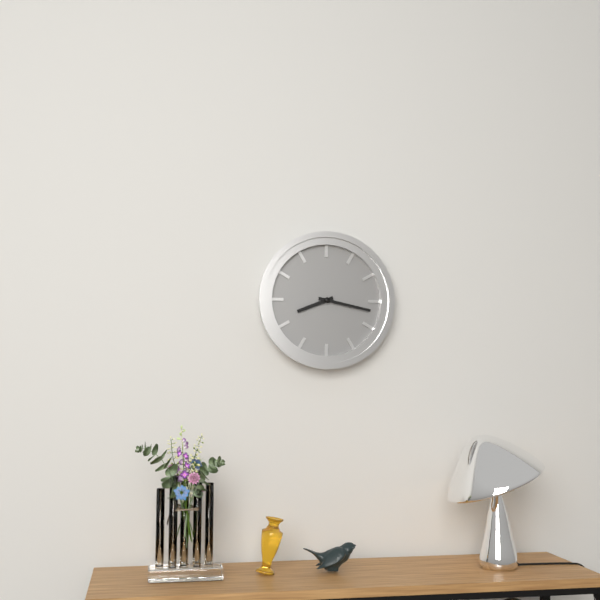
h=8 m=17
